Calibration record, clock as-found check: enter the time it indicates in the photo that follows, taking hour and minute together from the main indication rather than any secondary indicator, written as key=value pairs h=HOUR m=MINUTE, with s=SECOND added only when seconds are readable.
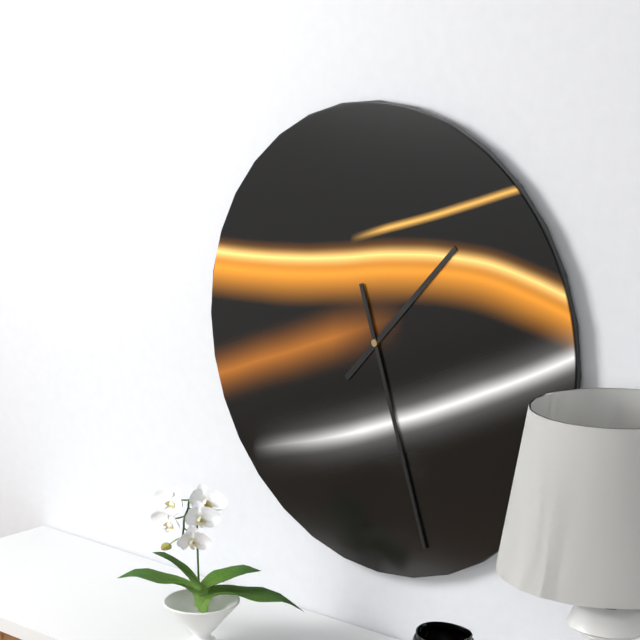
h=1 m=27
